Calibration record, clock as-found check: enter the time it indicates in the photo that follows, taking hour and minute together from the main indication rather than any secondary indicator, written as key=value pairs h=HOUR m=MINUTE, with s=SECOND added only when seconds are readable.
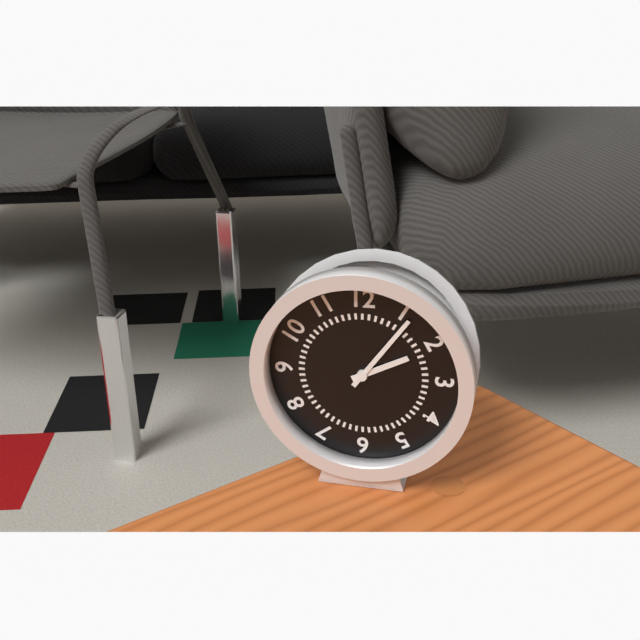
h=2 m=6
